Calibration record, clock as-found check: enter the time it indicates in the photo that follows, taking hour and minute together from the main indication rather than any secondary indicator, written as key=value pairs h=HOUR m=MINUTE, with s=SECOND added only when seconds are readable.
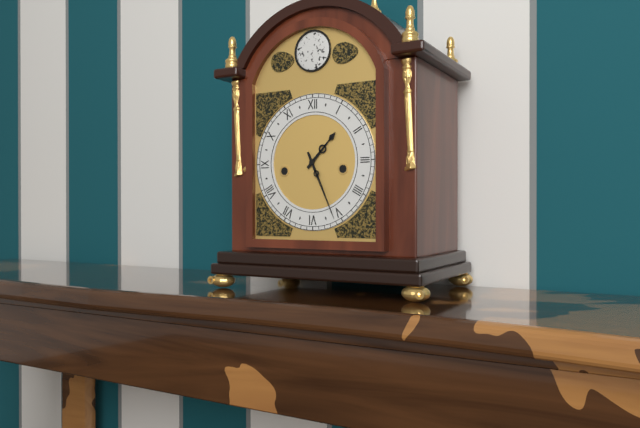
h=1 m=26
